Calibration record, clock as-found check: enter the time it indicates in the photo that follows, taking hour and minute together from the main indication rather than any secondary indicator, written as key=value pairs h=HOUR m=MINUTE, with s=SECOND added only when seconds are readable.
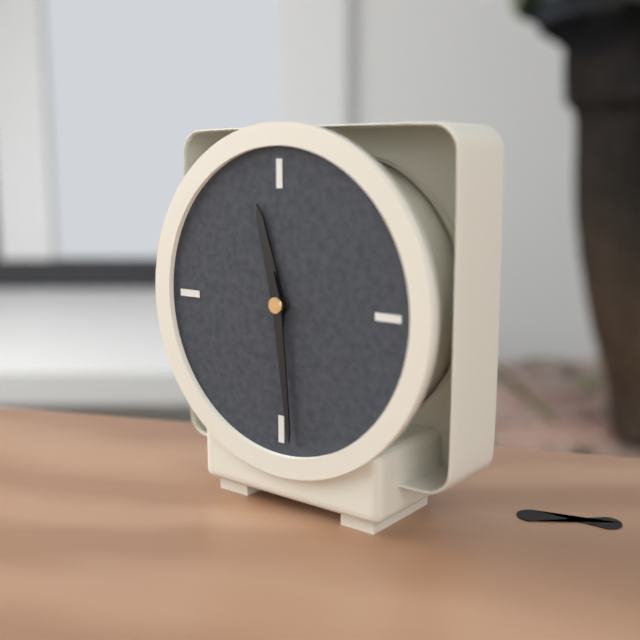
h=11 m=29
